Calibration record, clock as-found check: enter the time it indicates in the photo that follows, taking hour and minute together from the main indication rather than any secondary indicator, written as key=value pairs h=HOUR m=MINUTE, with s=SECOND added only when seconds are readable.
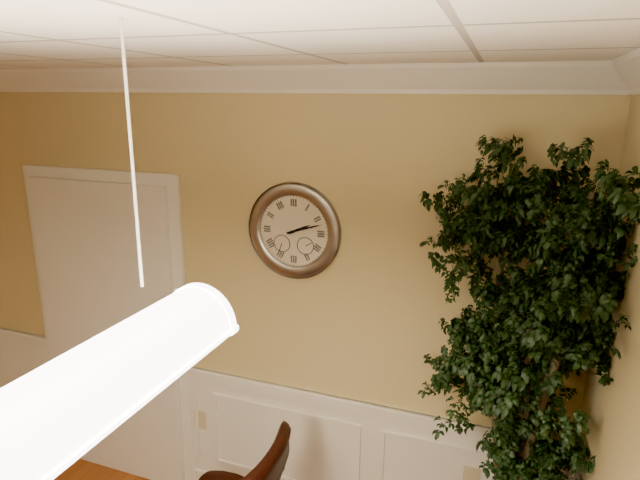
h=2 m=12
